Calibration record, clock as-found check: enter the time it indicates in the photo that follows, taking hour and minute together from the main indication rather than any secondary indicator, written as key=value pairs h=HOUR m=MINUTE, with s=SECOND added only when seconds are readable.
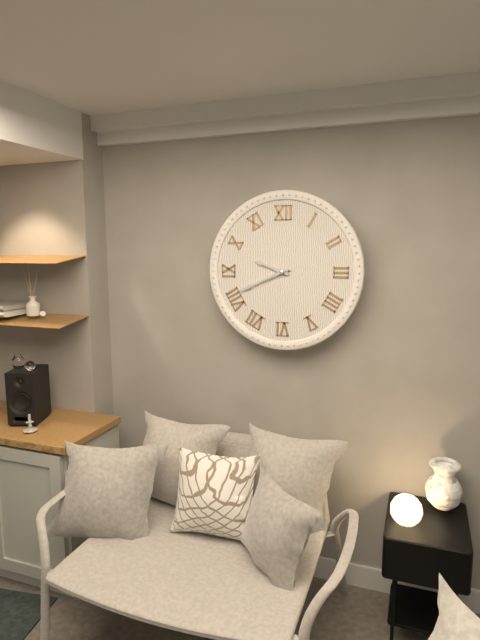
h=9 m=41
